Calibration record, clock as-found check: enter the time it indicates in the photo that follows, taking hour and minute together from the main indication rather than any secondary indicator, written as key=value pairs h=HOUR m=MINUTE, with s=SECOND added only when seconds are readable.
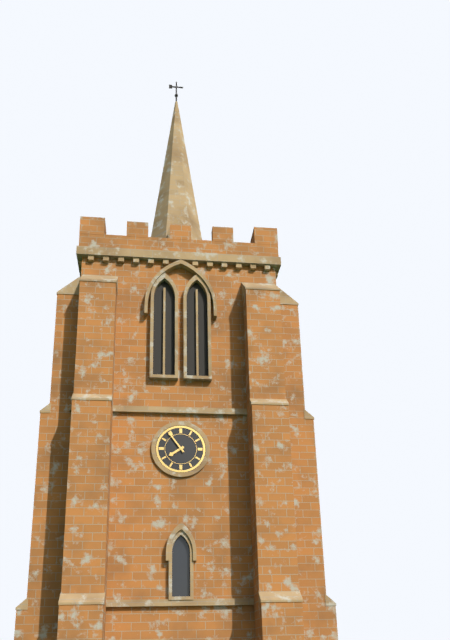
h=7 m=54
